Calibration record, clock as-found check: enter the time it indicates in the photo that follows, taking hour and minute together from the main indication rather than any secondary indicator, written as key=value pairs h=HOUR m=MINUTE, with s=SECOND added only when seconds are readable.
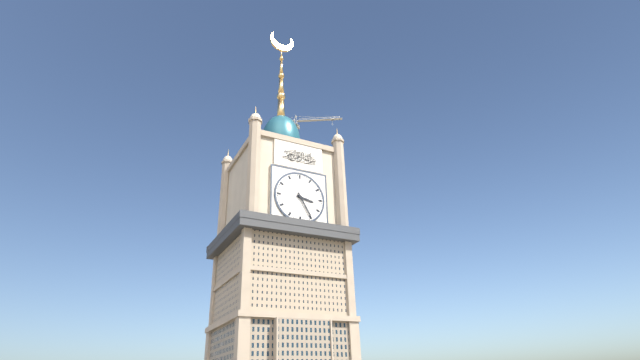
h=3 m=25
